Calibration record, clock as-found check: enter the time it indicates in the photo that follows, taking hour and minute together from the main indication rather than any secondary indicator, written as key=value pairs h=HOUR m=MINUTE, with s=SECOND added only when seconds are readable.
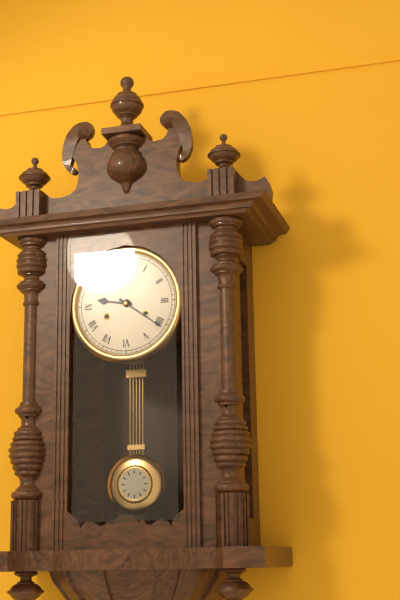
h=9 m=21
